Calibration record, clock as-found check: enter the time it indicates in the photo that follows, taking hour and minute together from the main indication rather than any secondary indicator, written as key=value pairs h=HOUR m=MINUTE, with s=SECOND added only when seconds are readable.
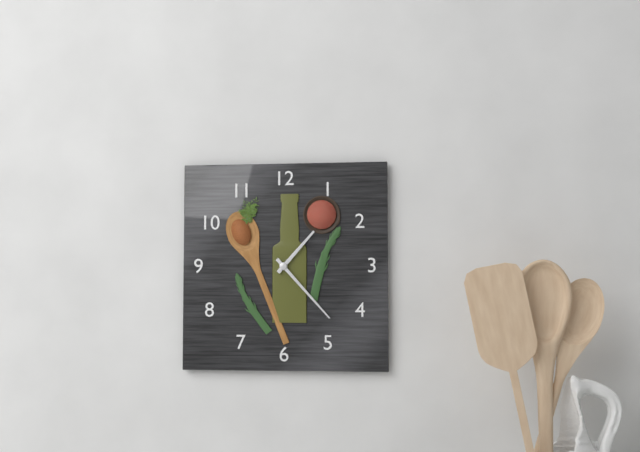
h=1 m=23
